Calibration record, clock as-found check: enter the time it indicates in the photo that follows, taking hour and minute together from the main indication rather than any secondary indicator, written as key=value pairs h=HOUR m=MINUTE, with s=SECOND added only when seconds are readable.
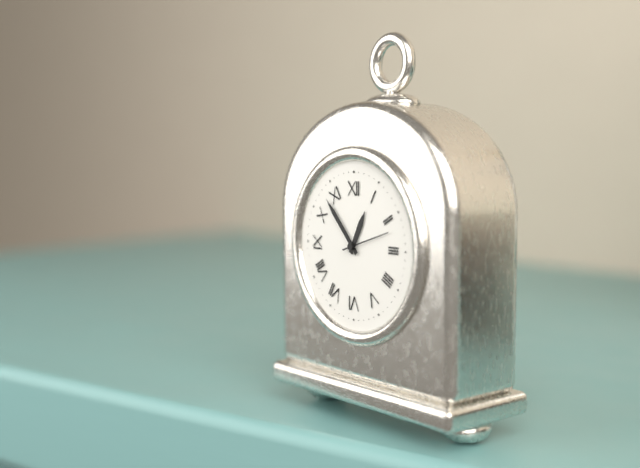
h=12 m=53
